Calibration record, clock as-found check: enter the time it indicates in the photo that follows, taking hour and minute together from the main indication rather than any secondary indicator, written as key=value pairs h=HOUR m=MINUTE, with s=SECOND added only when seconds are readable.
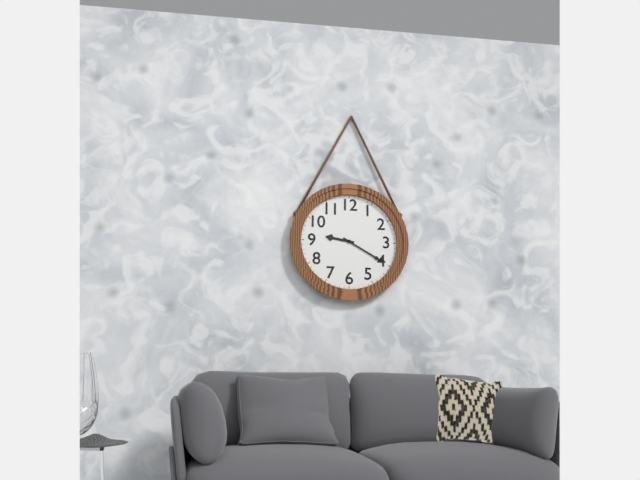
h=9 m=20
